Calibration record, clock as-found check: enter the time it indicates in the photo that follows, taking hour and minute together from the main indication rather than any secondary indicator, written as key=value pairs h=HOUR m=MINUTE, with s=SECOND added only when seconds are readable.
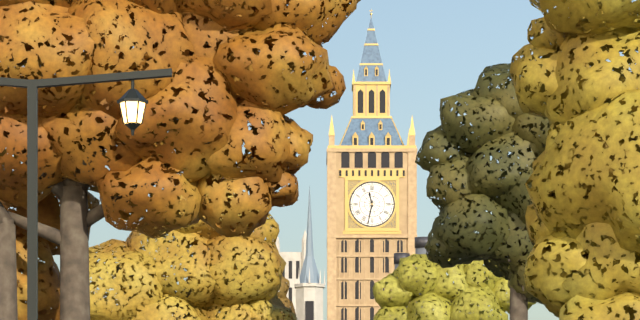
h=11 m=32
